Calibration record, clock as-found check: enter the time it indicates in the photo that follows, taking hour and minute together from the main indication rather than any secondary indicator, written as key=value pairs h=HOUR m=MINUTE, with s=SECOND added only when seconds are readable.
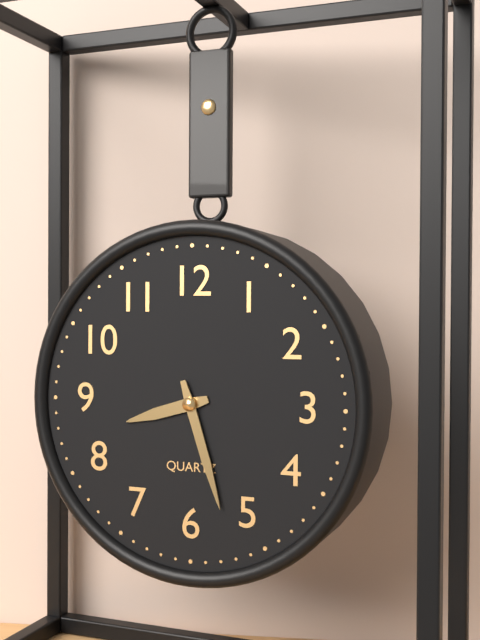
h=8 m=27
